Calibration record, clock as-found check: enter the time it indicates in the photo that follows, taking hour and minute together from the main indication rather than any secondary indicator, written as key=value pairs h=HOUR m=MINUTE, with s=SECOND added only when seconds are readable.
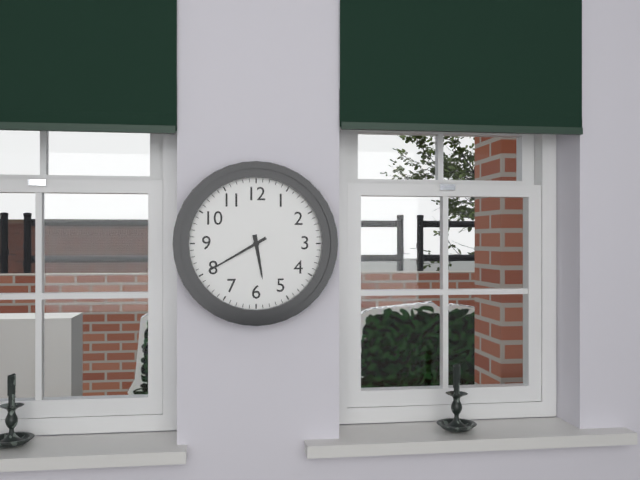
h=5 m=40
